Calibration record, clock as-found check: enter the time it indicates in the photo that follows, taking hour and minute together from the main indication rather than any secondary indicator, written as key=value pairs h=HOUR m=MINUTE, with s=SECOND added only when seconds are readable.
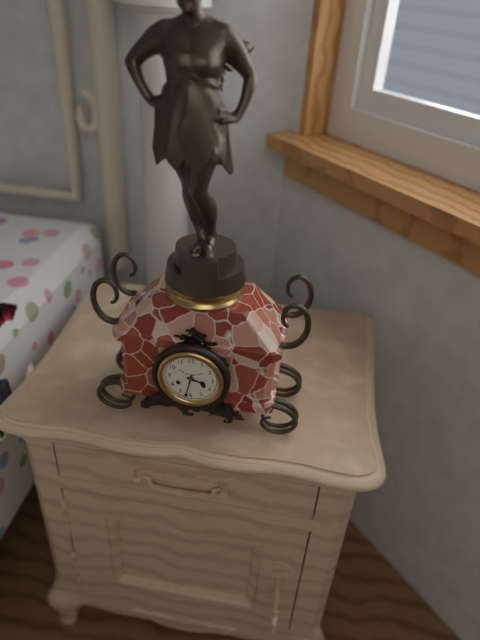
h=3 m=32
